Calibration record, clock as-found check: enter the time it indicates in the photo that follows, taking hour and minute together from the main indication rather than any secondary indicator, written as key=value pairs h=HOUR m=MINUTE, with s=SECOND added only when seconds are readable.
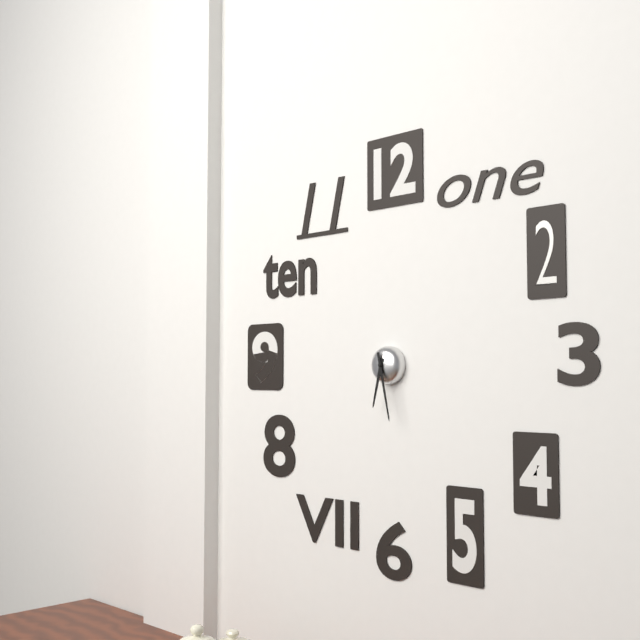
h=6 m=28
